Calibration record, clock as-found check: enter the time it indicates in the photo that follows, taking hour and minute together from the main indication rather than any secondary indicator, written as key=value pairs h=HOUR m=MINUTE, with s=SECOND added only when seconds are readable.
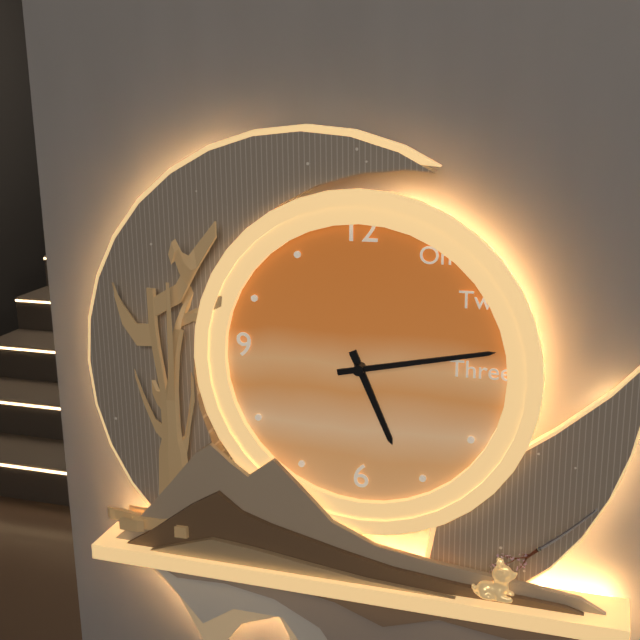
h=5 m=13
